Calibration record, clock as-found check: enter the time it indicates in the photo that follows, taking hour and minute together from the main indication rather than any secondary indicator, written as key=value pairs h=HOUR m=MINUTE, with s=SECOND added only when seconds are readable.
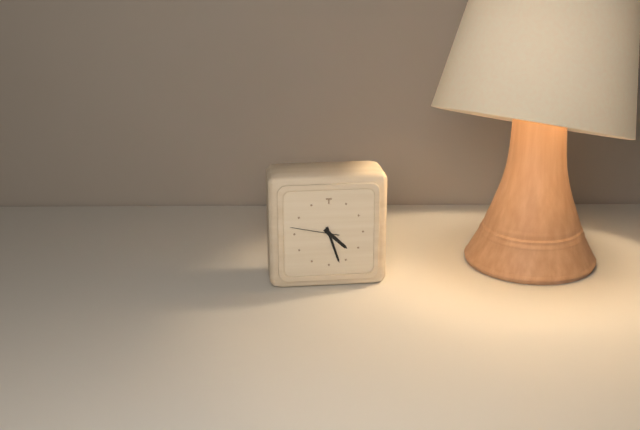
h=4 m=27
